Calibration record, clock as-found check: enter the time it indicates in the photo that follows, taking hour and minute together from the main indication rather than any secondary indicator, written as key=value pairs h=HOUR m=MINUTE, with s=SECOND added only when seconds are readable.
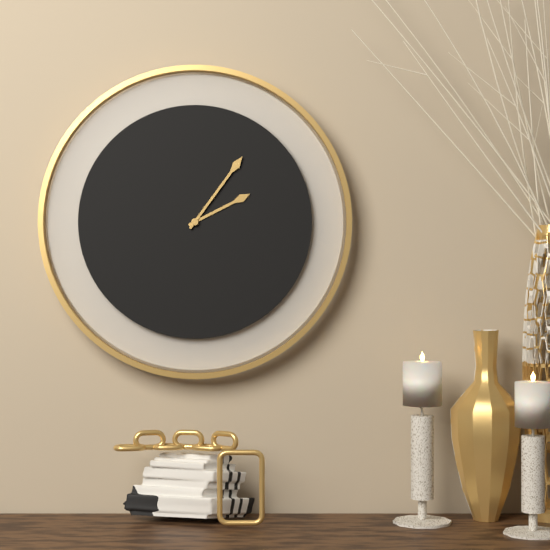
h=2 m=6
